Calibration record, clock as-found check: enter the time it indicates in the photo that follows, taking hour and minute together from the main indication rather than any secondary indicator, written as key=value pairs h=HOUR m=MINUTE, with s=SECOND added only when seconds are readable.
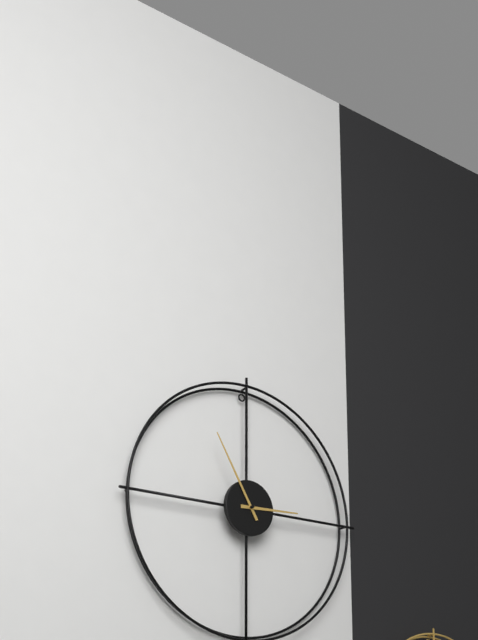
h=2 m=55
